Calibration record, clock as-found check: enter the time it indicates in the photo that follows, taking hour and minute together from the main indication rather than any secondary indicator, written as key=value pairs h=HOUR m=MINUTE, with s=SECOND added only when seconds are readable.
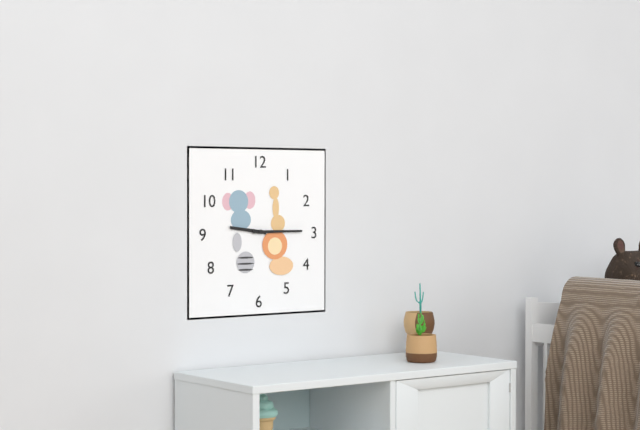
h=9 m=15
